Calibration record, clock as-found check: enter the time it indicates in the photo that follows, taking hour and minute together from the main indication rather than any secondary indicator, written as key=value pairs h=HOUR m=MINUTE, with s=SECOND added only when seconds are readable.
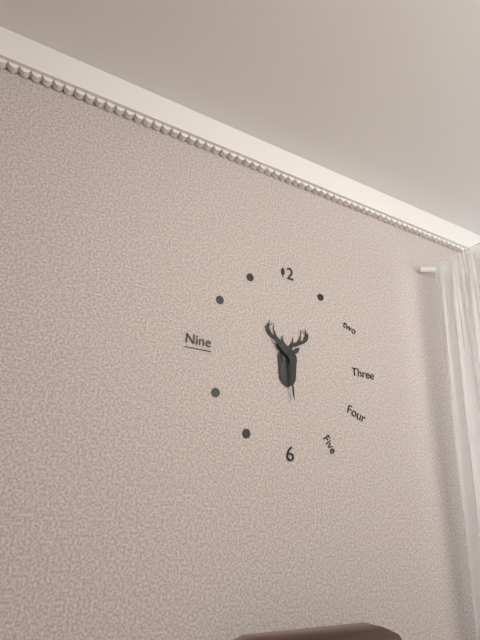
h=10 m=29
